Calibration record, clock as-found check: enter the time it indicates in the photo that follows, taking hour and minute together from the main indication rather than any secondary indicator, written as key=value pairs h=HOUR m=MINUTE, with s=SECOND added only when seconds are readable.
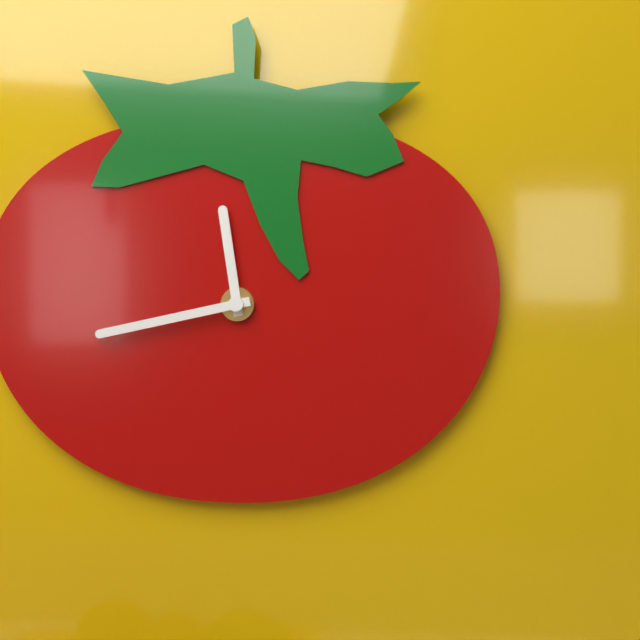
h=11 m=43
